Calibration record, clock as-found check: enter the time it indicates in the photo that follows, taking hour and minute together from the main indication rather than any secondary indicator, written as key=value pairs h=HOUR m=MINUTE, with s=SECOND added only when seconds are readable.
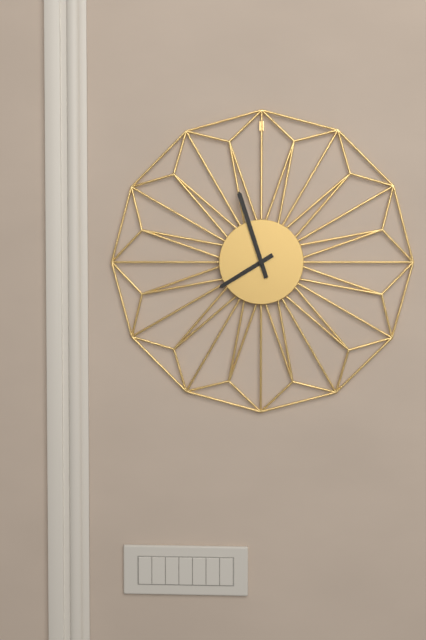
h=7 m=57
